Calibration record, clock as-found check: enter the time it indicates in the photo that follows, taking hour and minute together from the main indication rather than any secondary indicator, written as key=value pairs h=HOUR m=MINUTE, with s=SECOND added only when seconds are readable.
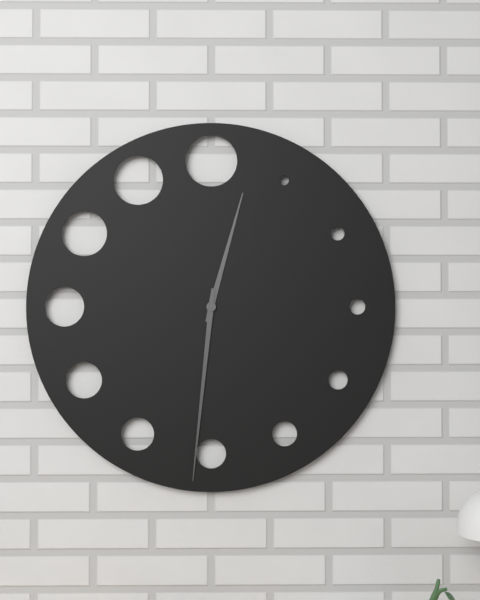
h=12 m=31
